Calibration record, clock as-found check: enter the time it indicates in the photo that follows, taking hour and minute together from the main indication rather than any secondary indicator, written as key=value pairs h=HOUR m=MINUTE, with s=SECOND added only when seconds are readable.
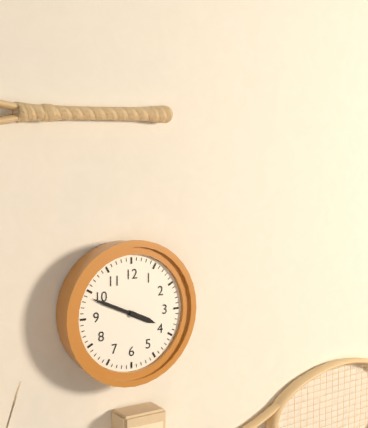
h=3 m=49
